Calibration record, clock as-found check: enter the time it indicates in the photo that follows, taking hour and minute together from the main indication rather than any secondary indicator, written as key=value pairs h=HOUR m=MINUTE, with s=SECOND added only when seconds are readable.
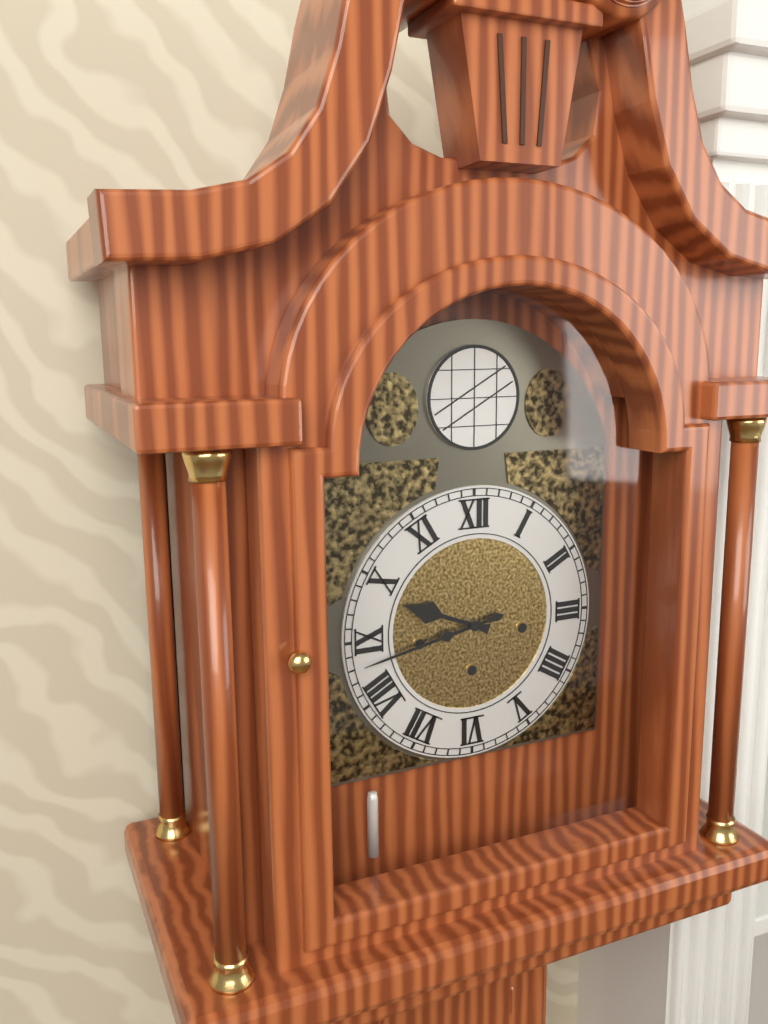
h=9 m=43
